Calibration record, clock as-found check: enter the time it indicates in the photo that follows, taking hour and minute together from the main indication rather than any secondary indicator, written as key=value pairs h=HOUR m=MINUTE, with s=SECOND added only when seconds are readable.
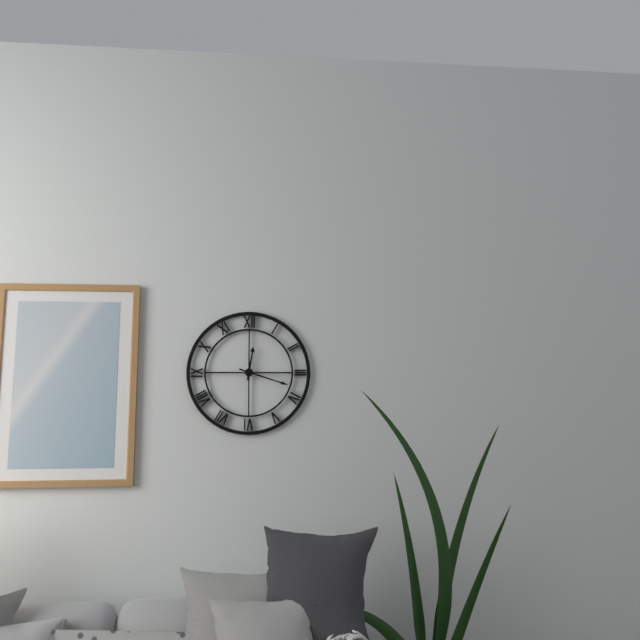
h=12 m=18
